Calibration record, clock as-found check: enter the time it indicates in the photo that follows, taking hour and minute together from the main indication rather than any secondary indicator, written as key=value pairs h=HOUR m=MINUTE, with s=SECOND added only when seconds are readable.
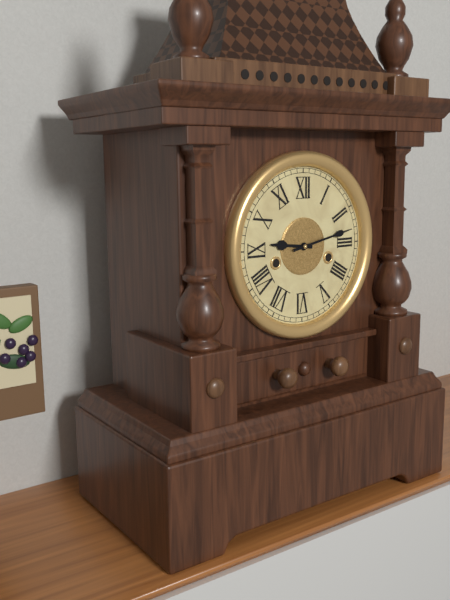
h=9 m=13
